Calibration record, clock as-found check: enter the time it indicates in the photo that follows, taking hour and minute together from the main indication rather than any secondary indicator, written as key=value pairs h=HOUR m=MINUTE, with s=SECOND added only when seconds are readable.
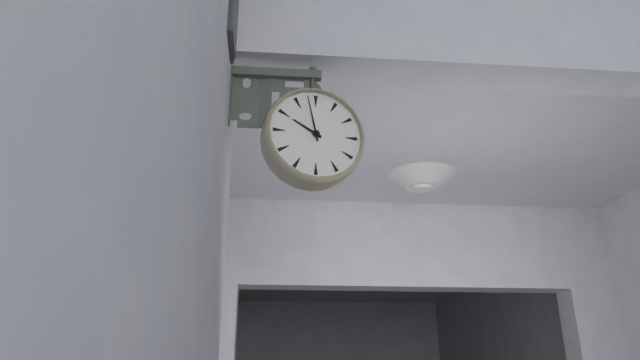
h=9 m=58
